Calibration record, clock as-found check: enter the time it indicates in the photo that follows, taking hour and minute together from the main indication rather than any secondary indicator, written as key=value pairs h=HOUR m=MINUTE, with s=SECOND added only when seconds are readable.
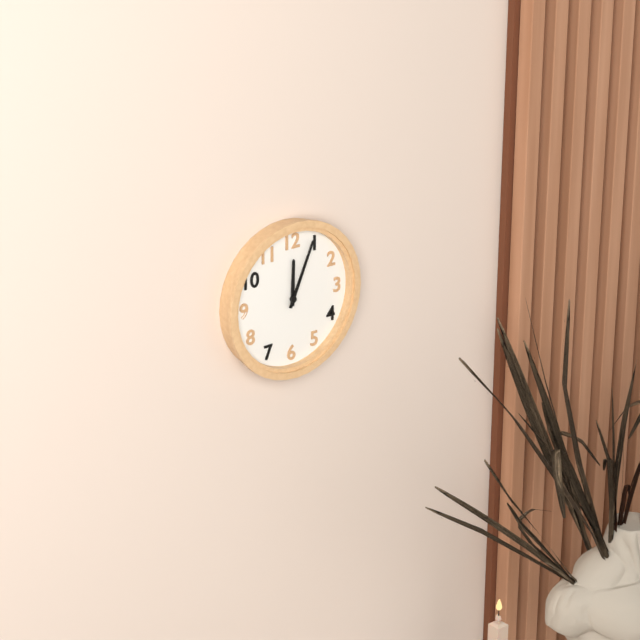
h=12 m=4
